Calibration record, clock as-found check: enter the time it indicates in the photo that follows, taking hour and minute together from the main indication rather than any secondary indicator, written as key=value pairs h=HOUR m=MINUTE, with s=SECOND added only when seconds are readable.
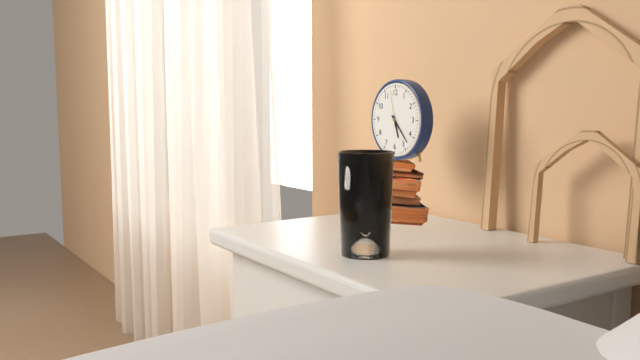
h=5 m=23
